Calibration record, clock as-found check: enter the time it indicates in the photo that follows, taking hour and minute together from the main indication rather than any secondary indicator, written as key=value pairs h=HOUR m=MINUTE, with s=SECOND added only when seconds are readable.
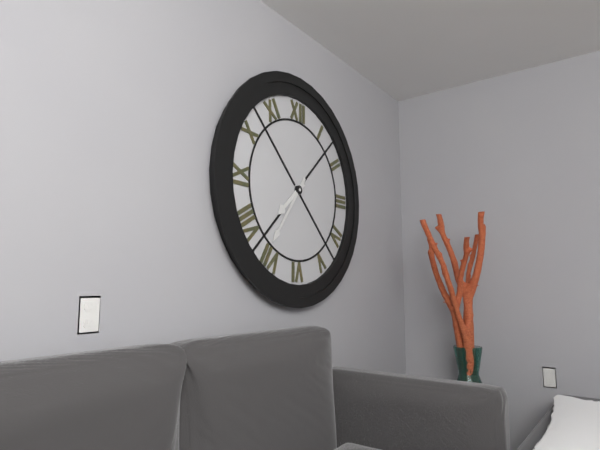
h=7 m=36
